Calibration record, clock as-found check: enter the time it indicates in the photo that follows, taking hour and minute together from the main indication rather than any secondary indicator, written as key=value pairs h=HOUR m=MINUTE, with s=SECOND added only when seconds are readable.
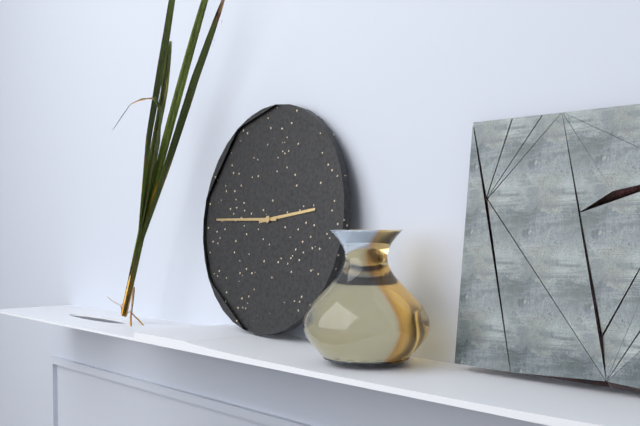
h=2 m=45
